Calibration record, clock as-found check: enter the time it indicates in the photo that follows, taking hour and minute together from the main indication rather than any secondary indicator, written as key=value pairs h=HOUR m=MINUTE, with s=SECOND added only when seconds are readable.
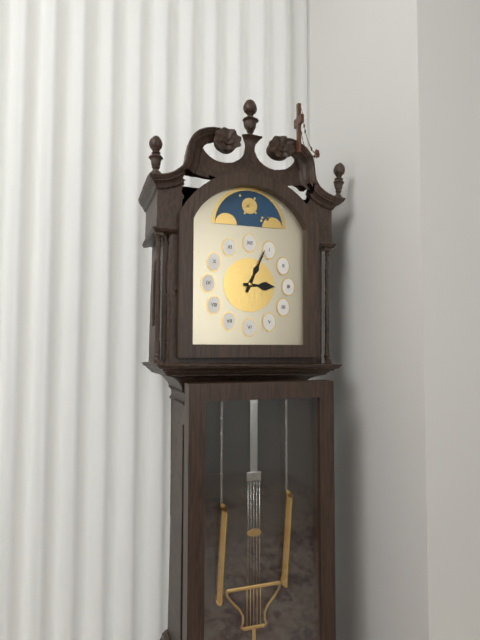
h=3 m=4
